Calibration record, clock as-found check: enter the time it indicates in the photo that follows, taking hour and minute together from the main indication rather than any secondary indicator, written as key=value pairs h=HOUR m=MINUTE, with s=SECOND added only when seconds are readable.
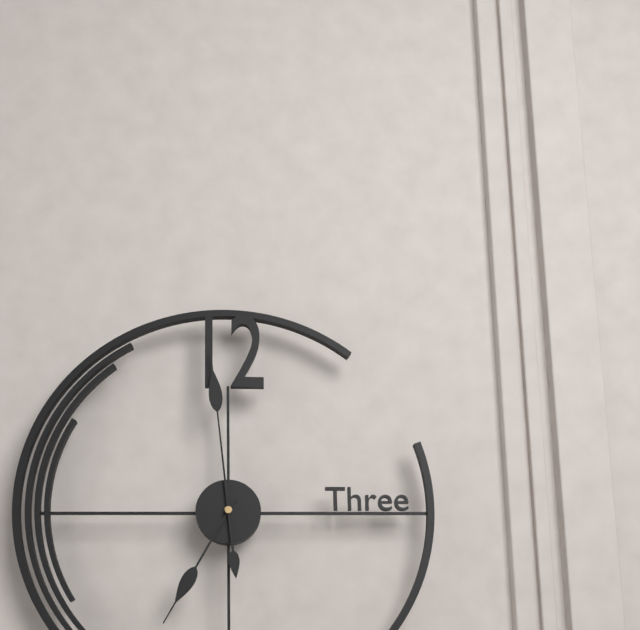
h=6 m=59
